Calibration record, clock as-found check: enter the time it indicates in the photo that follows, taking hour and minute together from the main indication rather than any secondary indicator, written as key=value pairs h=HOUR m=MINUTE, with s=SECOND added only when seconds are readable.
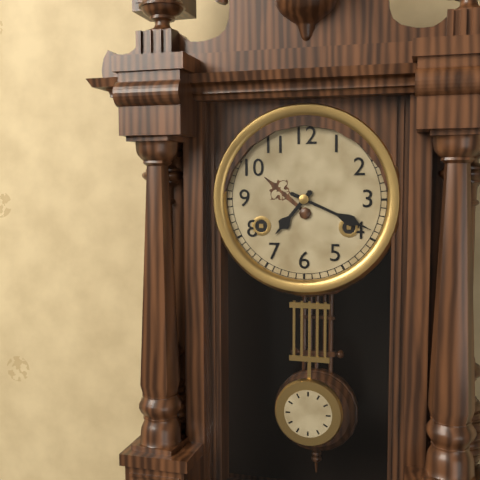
h=7 m=19
